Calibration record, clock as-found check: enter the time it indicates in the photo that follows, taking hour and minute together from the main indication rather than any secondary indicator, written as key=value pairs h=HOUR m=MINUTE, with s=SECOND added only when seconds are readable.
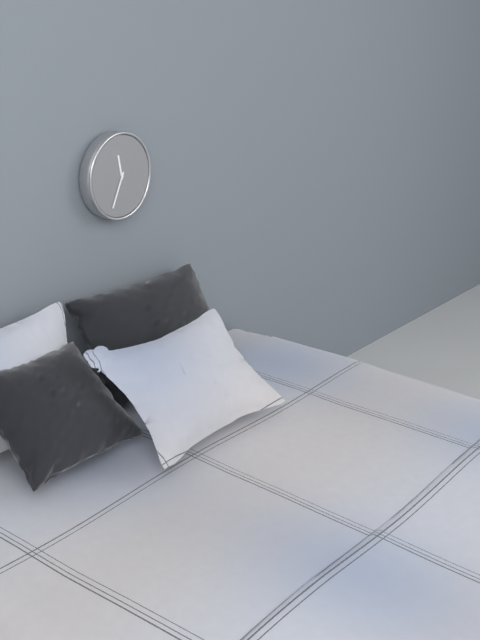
h=11 m=34
